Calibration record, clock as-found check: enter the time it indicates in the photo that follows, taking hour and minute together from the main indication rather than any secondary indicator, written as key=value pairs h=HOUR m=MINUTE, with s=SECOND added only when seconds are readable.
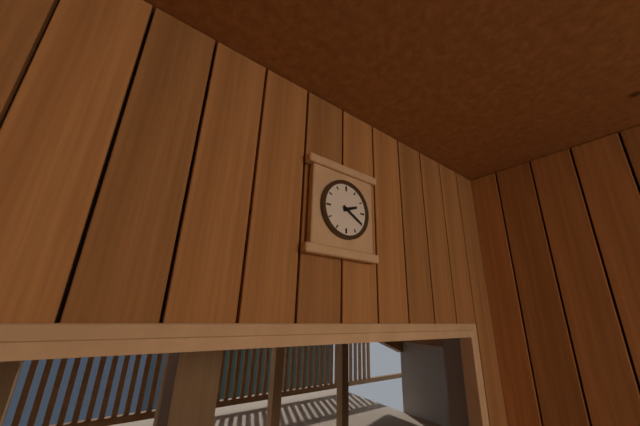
h=2 m=20
